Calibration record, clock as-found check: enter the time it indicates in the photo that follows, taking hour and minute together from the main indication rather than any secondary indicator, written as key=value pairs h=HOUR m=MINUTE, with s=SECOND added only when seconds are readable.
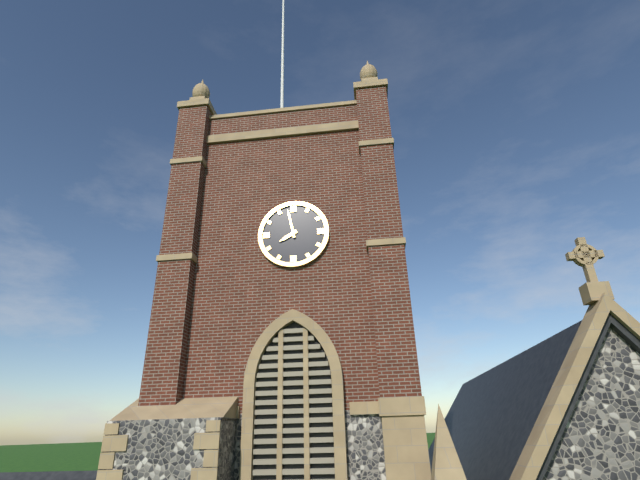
h=7 m=58
